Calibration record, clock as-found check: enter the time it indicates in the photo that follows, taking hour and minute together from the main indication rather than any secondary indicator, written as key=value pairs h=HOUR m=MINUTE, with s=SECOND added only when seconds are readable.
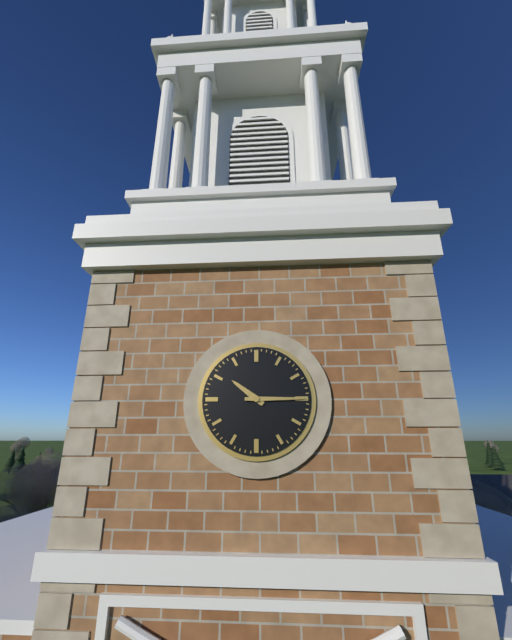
h=10 m=15
